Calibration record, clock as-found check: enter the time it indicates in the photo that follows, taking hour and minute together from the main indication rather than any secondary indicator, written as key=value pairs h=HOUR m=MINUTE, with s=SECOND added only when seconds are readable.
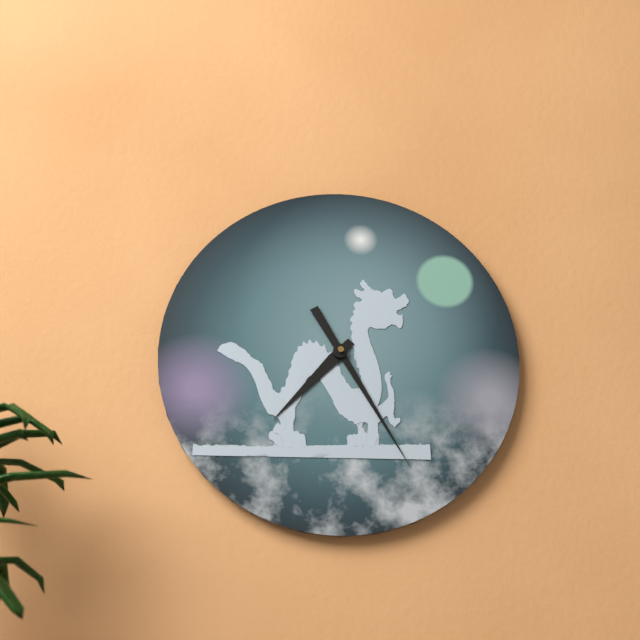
h=7 m=25
